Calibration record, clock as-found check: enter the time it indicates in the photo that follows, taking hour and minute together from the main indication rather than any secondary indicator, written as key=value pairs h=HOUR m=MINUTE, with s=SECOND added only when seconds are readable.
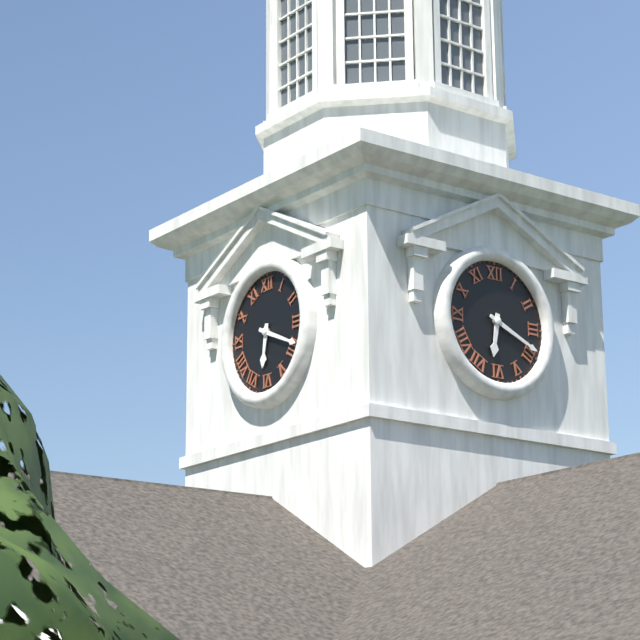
h=6 m=19
